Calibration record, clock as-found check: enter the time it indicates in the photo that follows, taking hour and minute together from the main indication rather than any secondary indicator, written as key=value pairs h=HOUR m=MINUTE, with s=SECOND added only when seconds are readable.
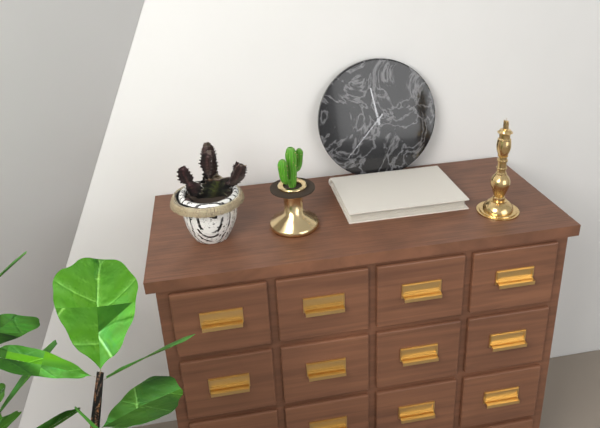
h=11 m=37
